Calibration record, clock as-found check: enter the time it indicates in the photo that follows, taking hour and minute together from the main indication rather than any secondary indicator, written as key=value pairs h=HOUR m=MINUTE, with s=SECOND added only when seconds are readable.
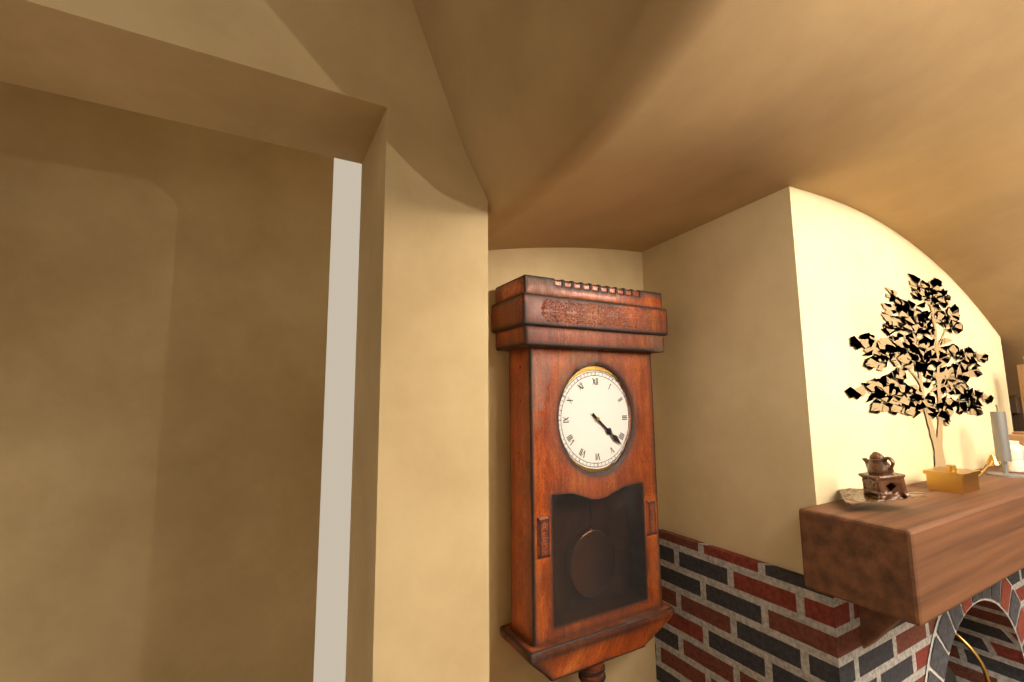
h=4 m=22
